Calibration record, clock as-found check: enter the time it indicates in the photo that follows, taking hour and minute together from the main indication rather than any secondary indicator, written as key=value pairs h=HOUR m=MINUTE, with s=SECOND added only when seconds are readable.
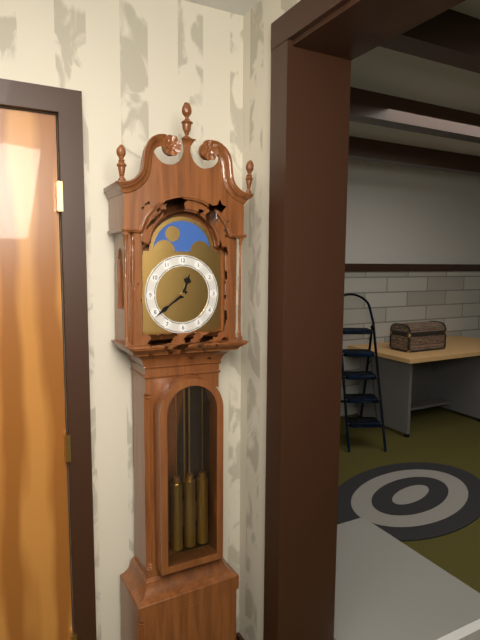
h=12 m=39
